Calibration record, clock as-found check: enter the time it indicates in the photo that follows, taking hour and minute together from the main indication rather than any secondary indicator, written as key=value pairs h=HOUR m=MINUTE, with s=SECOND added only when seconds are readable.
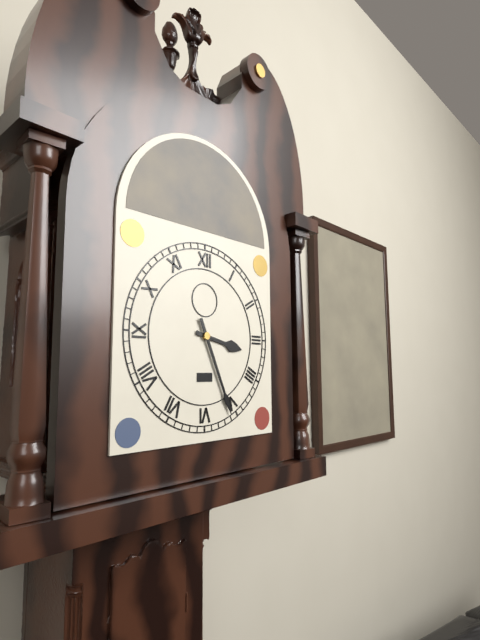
h=3 m=26
